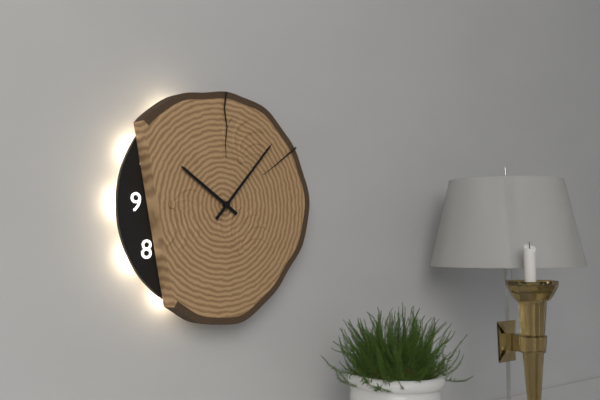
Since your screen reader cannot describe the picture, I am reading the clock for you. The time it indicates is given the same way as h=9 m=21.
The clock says h=10 m=7
